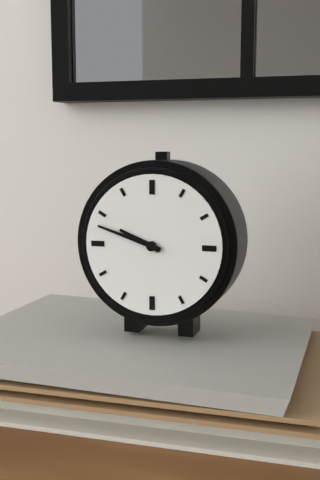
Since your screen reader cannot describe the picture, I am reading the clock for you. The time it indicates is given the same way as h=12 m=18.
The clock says h=9 m=48
